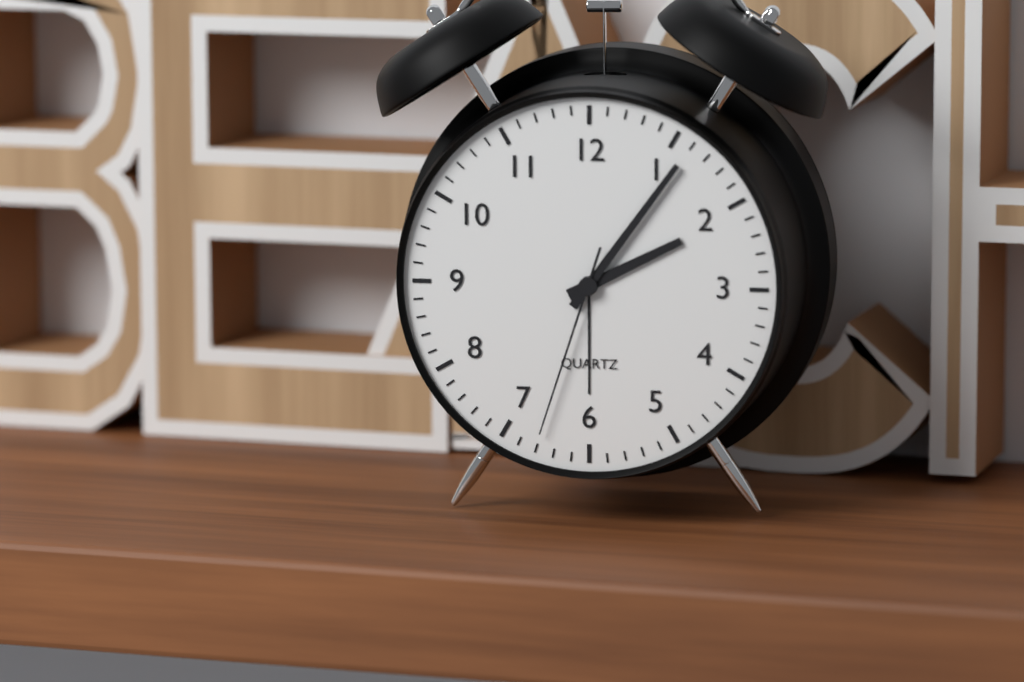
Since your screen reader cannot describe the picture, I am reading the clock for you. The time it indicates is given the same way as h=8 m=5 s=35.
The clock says h=2 m=6 s=33
